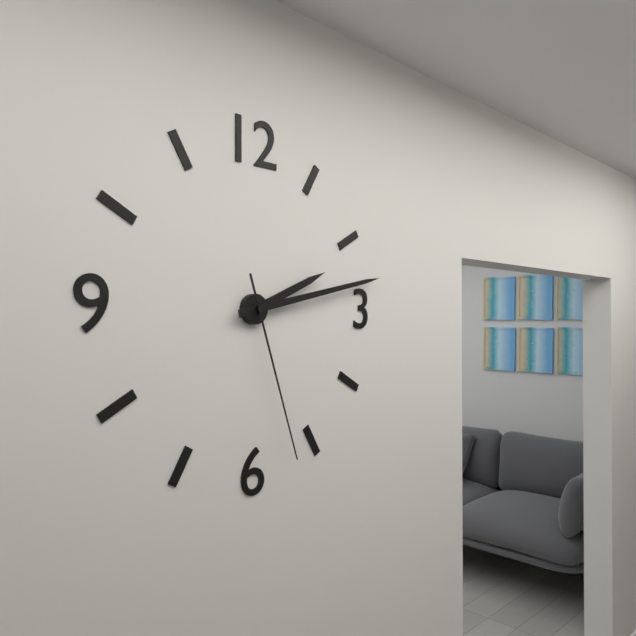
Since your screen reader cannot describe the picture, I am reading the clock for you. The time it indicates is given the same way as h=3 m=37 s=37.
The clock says h=2 m=13 s=27
